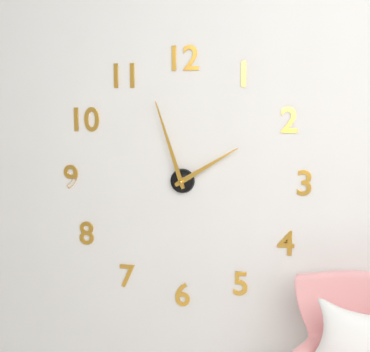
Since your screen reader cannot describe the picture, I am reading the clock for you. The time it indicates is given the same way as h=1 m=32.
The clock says h=1 m=57
